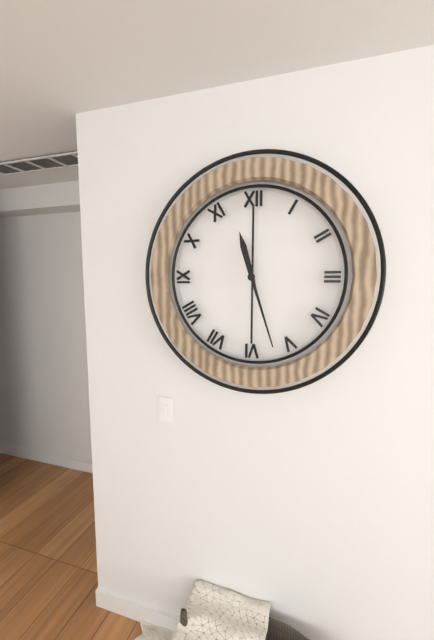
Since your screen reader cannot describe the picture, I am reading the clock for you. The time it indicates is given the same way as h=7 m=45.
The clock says h=11 m=27
